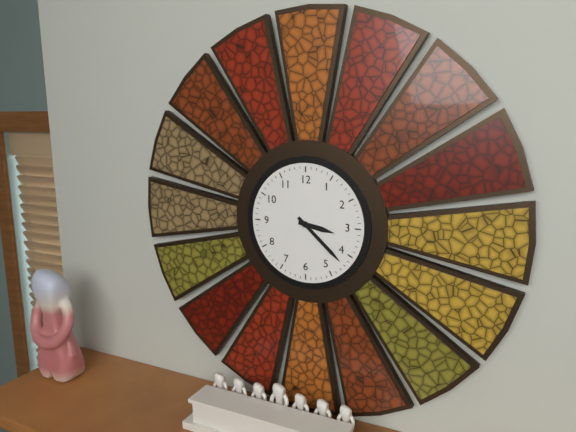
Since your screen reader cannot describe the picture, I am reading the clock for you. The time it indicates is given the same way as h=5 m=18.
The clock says h=3 m=22
